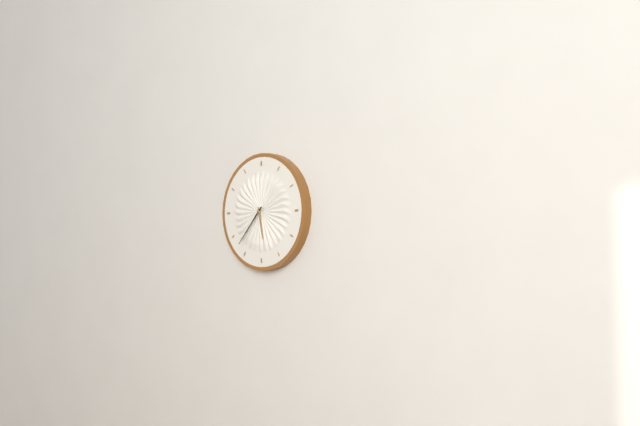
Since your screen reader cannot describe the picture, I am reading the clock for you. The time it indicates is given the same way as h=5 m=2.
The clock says h=5 m=37
